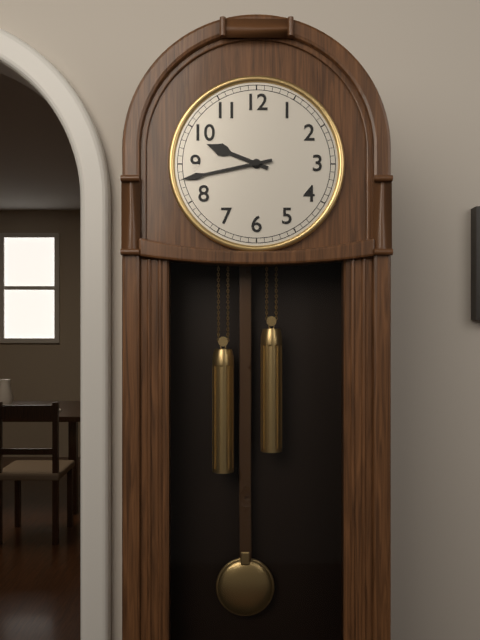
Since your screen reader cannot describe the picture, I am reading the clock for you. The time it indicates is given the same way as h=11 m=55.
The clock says h=9 m=43
